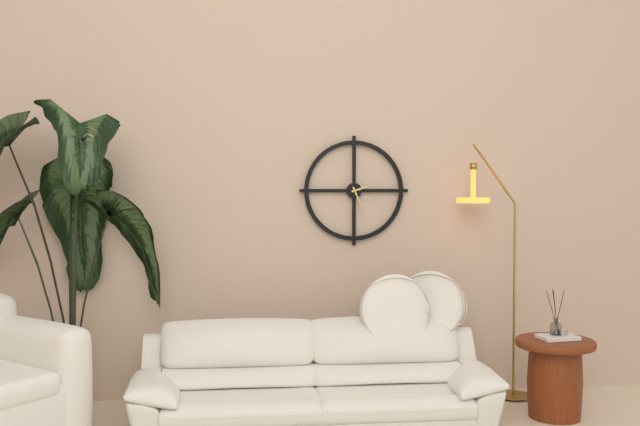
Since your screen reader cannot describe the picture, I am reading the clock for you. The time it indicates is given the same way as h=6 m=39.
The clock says h=2 m=26
